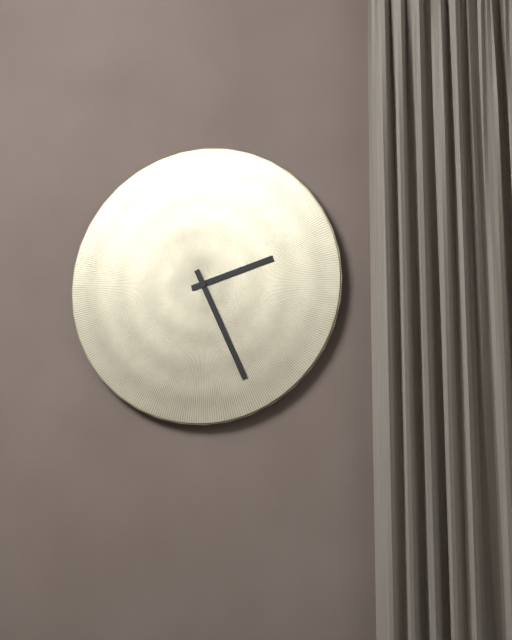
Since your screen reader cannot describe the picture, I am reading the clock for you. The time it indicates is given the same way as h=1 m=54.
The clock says h=2 m=26
